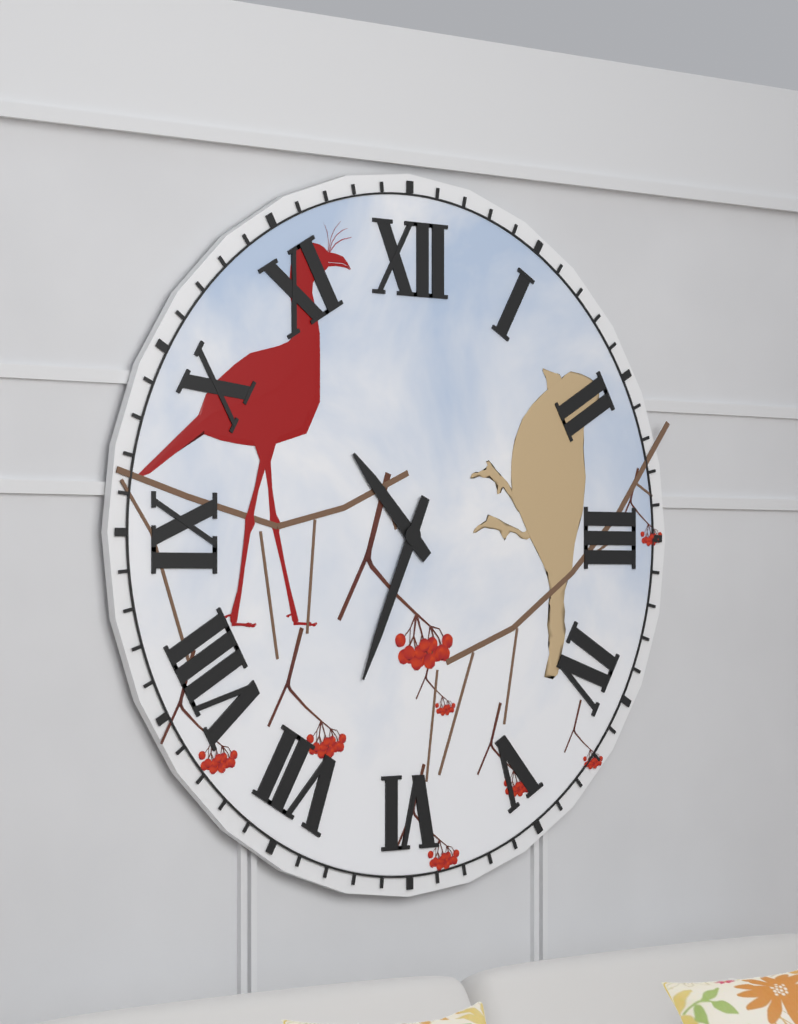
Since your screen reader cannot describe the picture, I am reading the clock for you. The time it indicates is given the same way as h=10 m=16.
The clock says h=10 m=34
